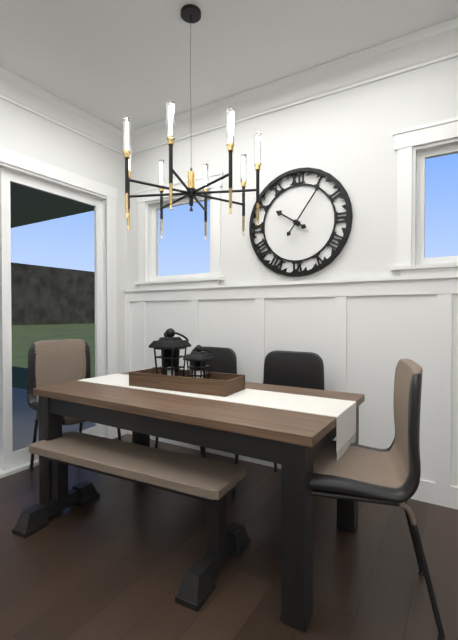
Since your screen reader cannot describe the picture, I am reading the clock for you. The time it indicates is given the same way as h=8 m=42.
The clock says h=10 m=6
